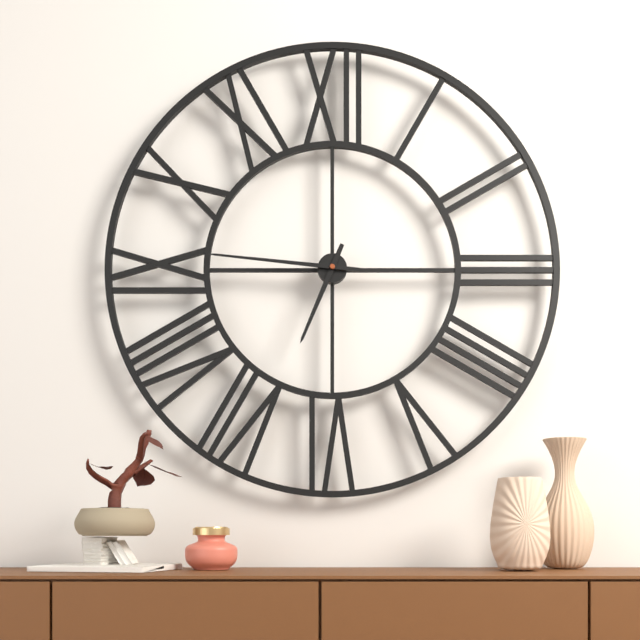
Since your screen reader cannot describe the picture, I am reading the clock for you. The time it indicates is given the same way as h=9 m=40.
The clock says h=6 m=46
